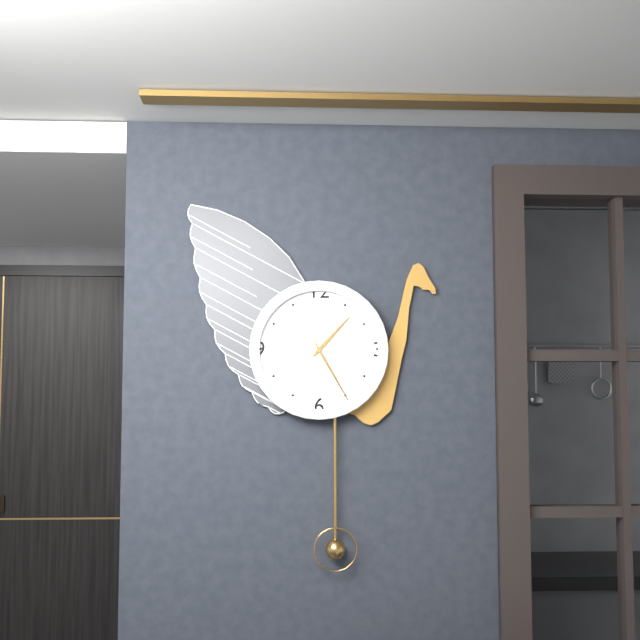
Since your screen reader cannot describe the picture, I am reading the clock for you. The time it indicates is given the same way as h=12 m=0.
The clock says h=1 m=25
